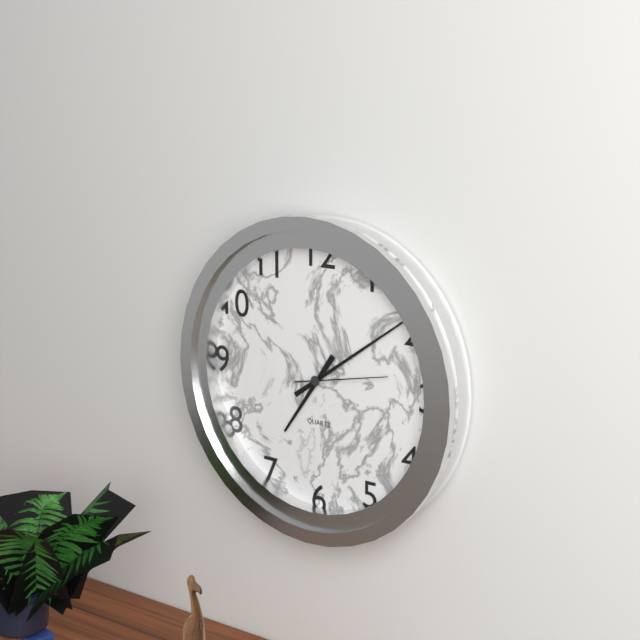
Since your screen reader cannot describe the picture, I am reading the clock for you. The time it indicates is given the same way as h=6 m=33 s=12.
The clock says h=7 m=9 s=13
